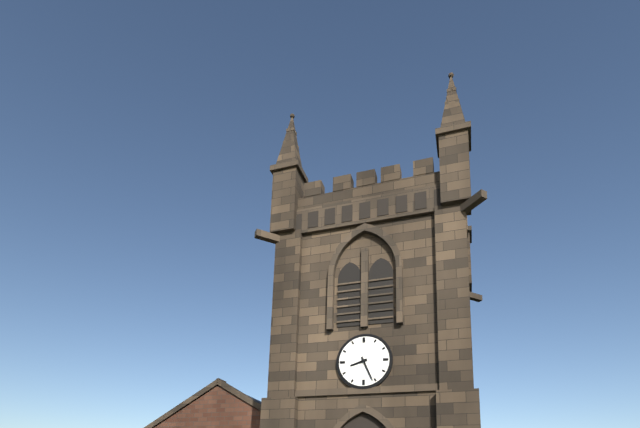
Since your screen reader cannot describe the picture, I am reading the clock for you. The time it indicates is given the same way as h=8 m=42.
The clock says h=8 m=26
